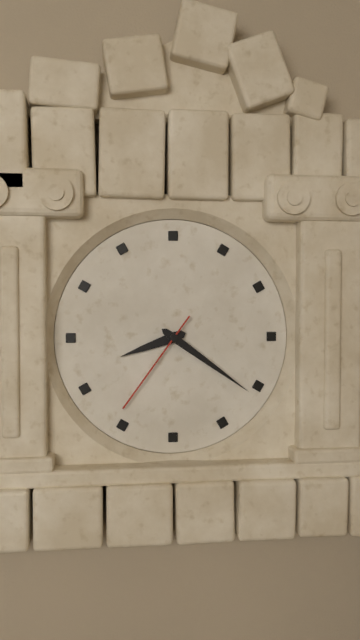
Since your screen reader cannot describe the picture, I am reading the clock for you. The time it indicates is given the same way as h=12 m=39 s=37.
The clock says h=8 m=21 s=36
